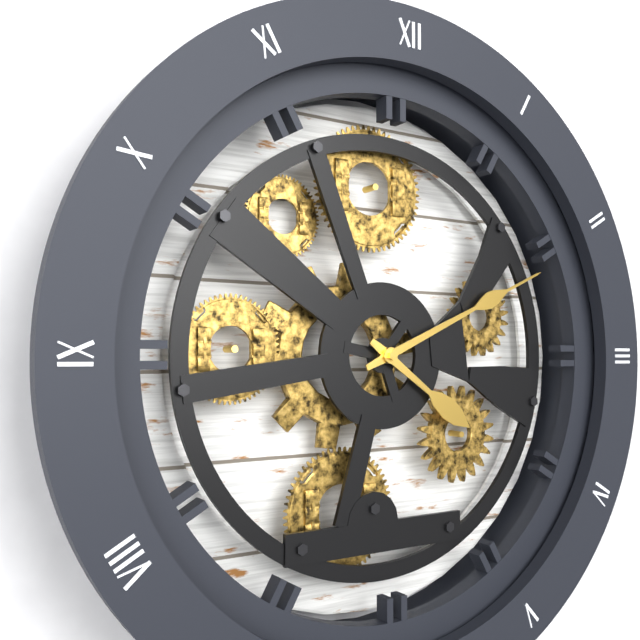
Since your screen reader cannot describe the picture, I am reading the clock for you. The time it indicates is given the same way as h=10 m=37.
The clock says h=4 m=11
